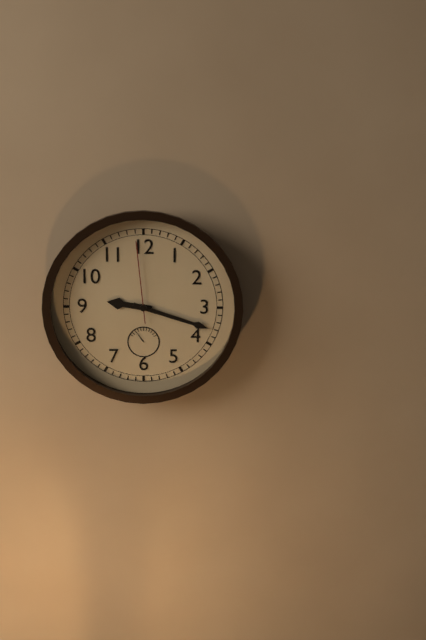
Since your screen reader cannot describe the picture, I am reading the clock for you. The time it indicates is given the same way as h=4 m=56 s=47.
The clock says h=9 m=18 s=59
